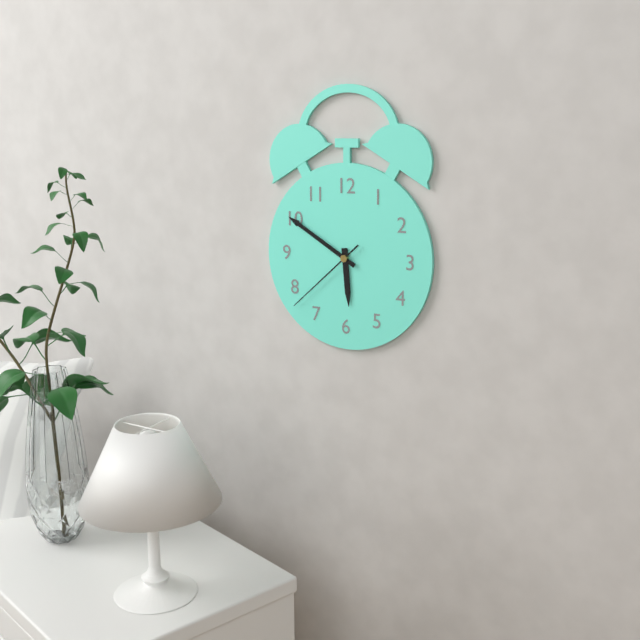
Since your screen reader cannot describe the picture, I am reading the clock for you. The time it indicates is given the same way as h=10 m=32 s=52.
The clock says h=5 m=50 s=38
